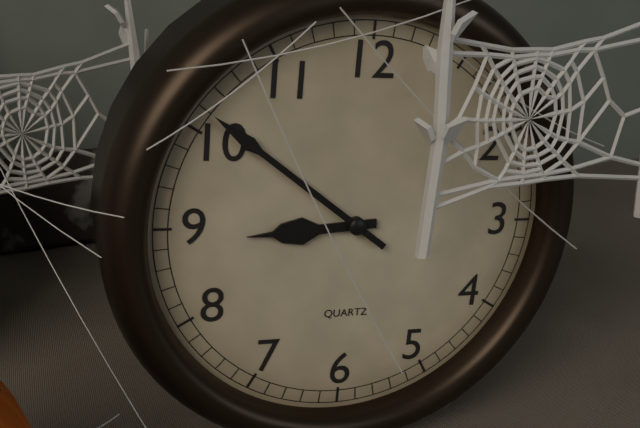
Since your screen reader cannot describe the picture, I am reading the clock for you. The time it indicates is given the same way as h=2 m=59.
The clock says h=8 m=51
